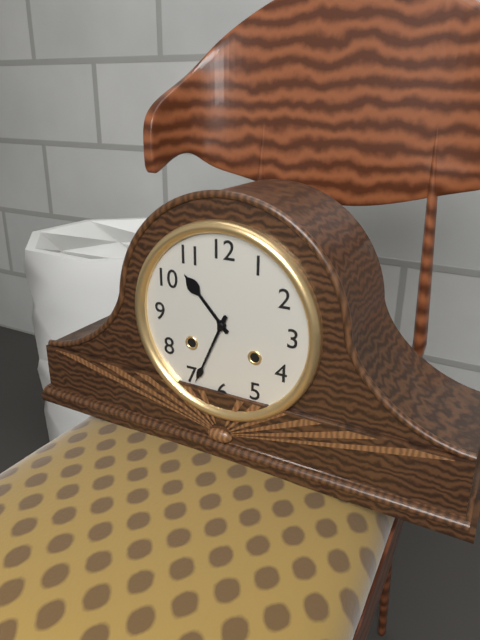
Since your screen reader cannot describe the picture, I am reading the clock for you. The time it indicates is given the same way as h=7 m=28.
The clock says h=10 m=34
